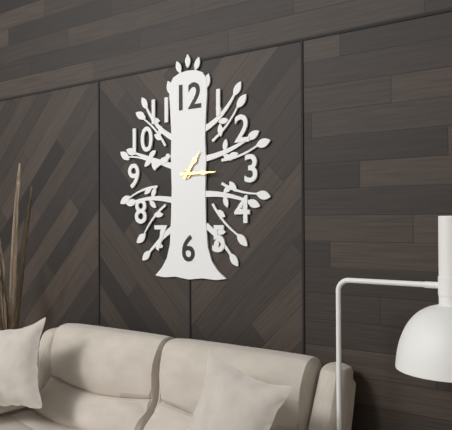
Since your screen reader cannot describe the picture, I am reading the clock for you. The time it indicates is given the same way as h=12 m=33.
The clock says h=1 m=15
